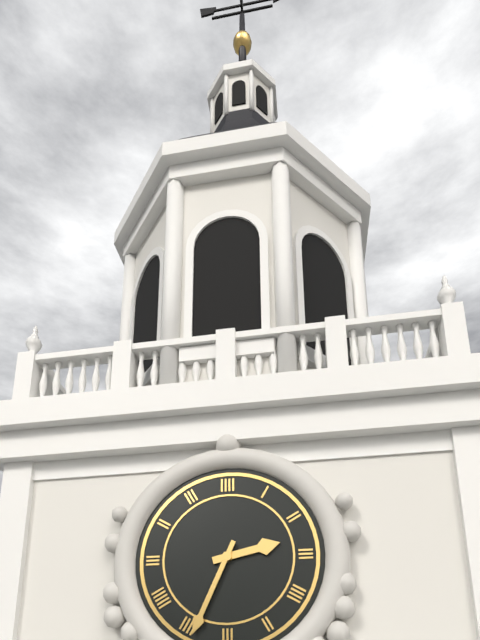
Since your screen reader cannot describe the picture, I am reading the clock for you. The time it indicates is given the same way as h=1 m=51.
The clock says h=2 m=34
